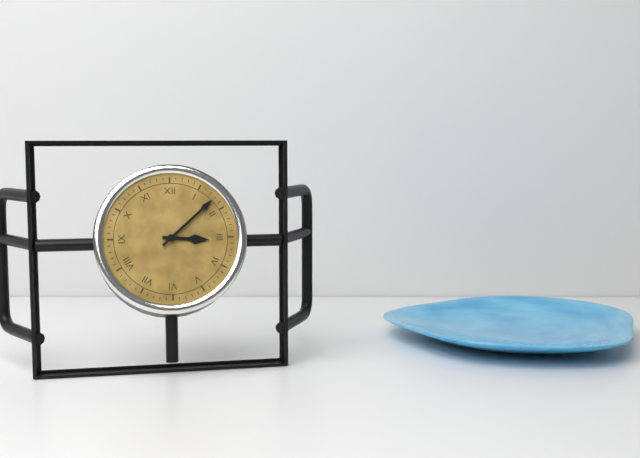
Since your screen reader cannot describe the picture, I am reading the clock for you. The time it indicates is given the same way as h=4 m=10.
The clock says h=3 m=8
